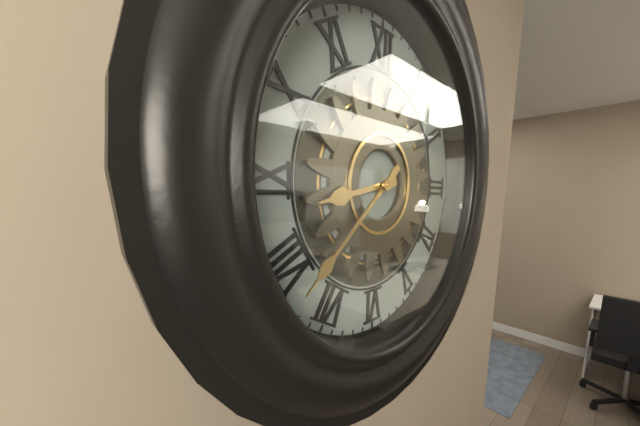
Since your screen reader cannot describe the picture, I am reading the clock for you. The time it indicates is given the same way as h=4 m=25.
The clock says h=8 m=38
